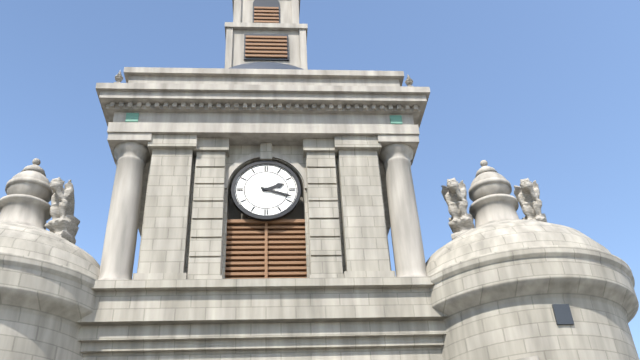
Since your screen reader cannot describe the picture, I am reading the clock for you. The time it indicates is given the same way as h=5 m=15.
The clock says h=2 m=18
